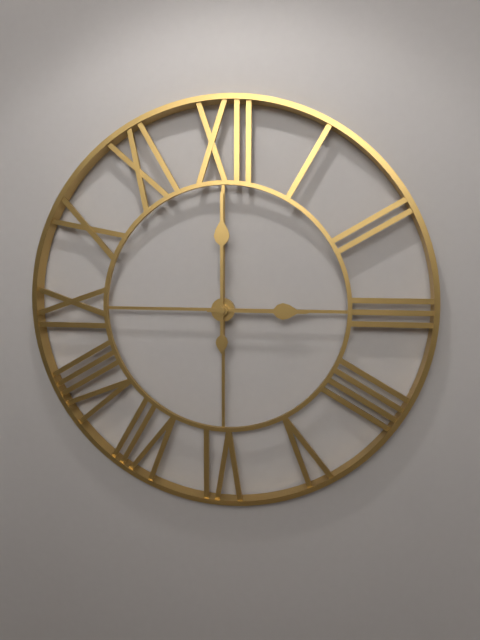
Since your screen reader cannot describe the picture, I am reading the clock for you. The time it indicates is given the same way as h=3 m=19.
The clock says h=3 m=0
